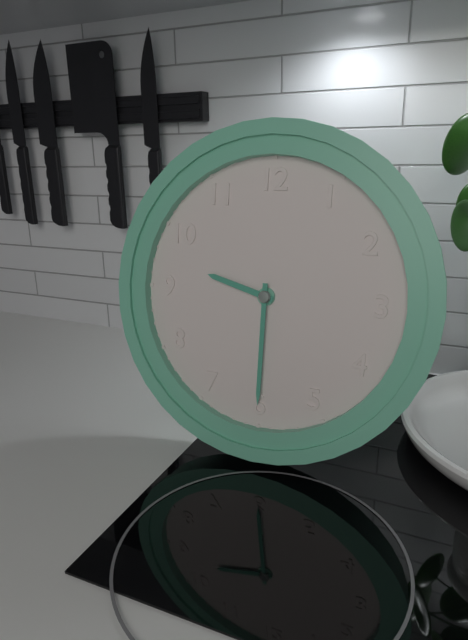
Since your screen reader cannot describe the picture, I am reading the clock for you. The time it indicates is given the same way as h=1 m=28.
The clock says h=9 m=30
